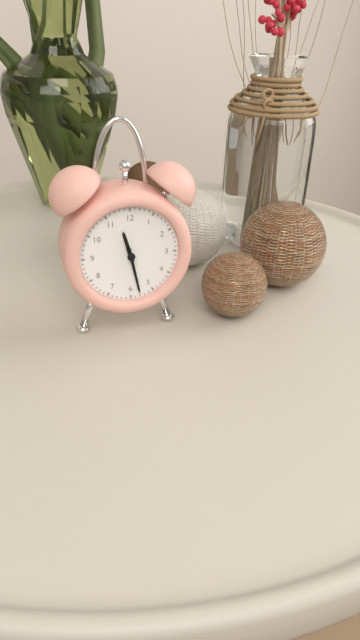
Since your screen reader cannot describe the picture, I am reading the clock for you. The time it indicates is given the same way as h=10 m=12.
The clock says h=11 m=28
